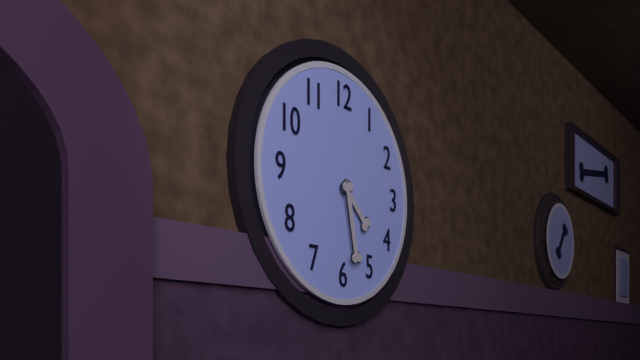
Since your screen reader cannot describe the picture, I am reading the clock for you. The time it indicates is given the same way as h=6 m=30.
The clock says h=4 m=28
